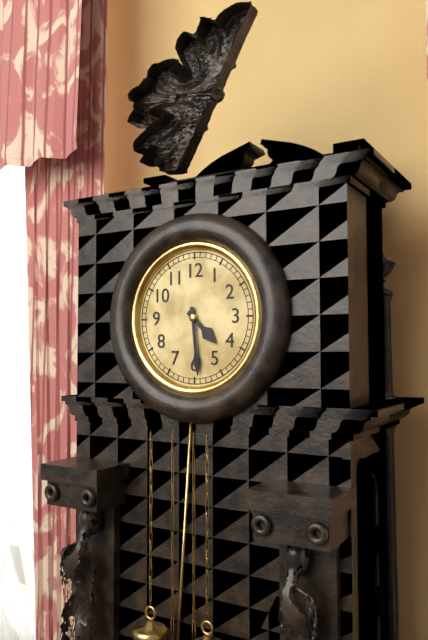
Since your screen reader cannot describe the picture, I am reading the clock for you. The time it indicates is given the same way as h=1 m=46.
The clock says h=4 m=29
